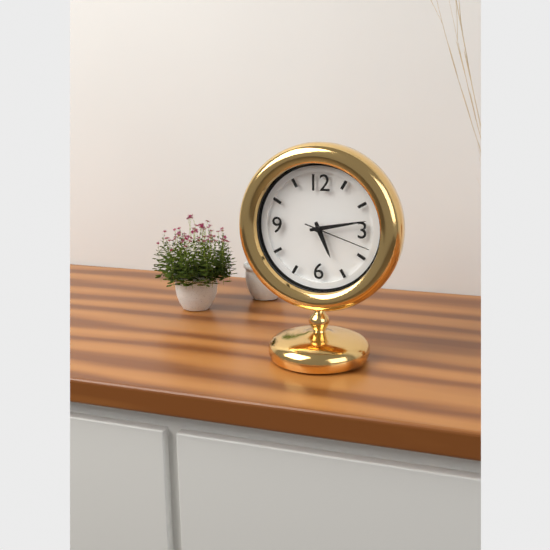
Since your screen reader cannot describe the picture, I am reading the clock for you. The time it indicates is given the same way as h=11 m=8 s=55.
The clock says h=5 m=13 s=18
